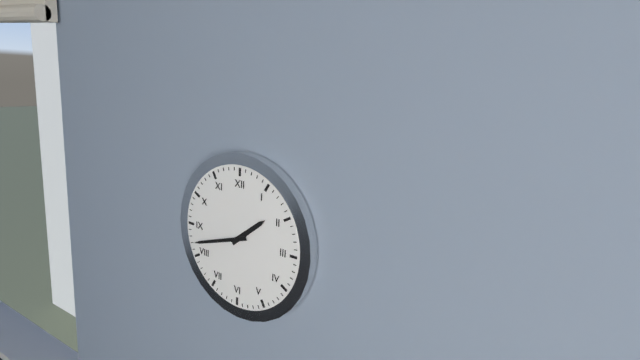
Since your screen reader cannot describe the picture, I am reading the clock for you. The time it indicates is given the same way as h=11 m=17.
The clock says h=1 m=42
